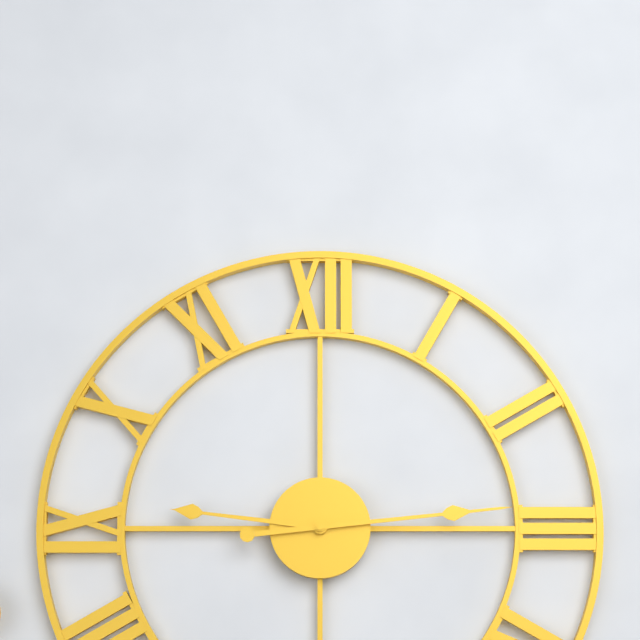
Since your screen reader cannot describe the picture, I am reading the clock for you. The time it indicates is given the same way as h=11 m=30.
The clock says h=9 m=14
